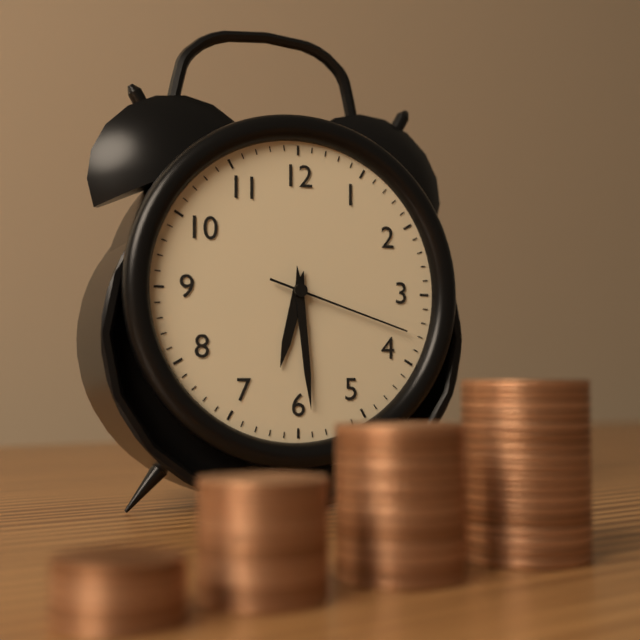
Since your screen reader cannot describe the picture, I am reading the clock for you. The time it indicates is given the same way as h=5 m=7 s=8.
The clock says h=6 m=29 s=18
